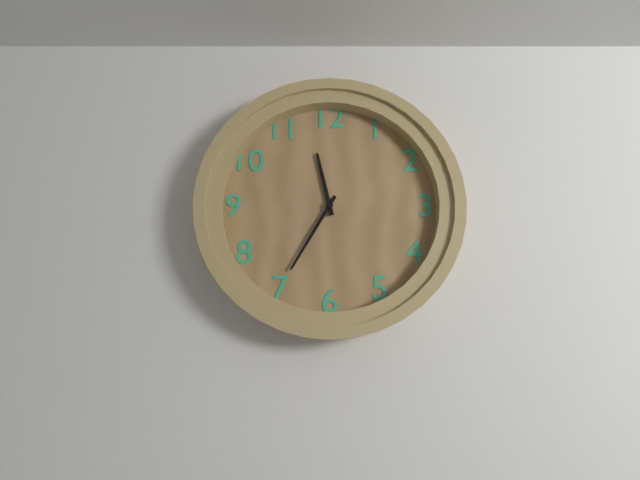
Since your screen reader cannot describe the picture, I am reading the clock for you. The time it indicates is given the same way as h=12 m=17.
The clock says h=11 m=35
